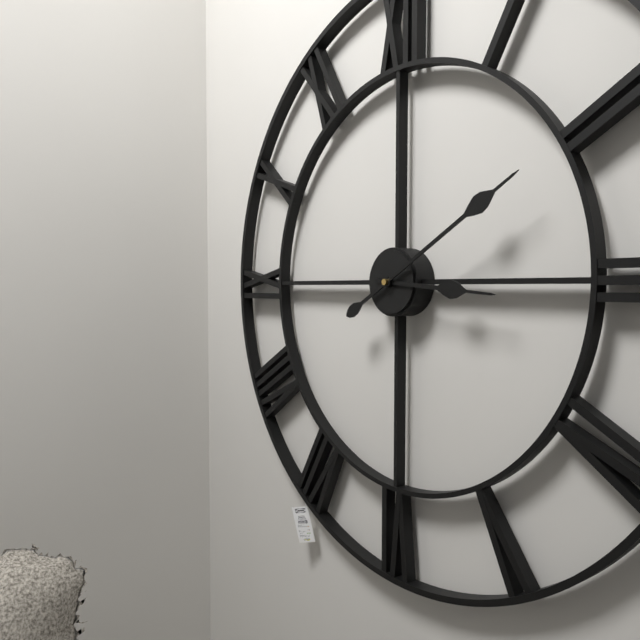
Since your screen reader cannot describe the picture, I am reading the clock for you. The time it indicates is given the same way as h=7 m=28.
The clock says h=3 m=10
